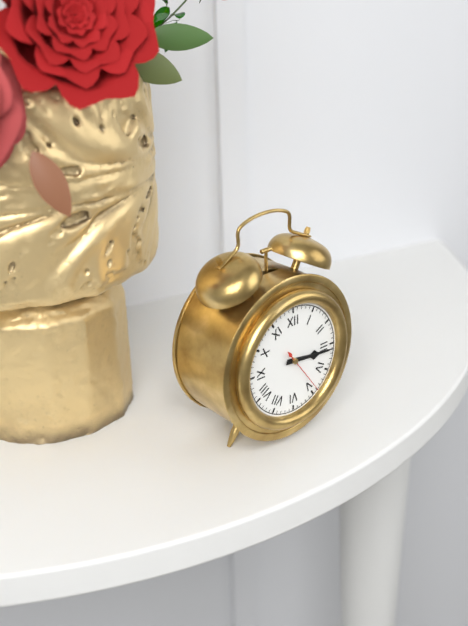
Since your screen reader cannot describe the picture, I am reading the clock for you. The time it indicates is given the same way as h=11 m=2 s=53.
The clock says h=3 m=16 s=24
